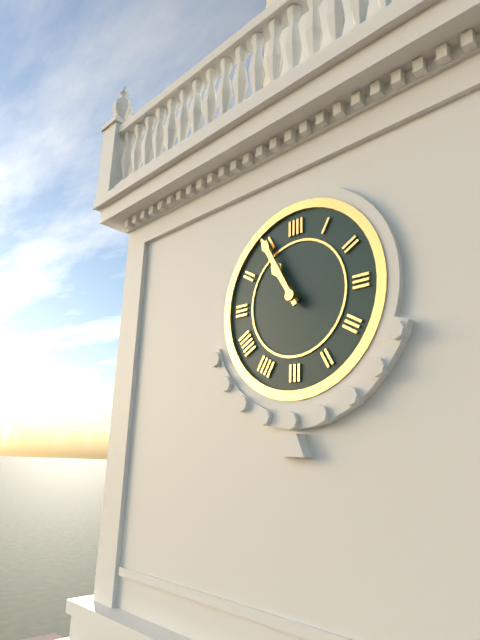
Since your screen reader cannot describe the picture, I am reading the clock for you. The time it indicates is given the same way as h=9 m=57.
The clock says h=10 m=55
